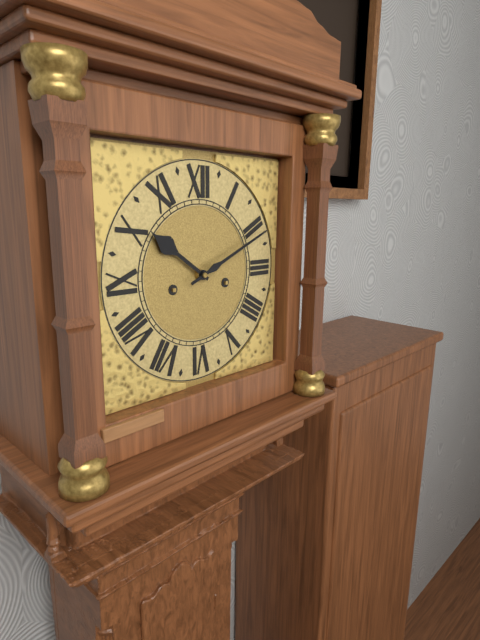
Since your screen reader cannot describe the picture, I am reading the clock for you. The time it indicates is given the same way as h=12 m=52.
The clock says h=10 m=11
